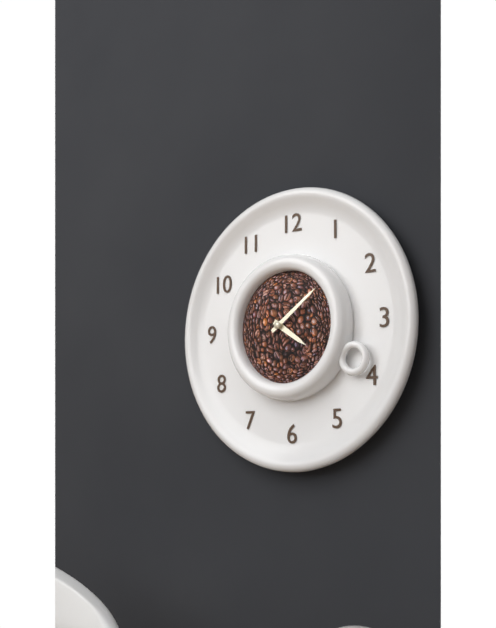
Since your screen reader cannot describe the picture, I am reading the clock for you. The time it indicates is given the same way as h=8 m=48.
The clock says h=4 m=9
